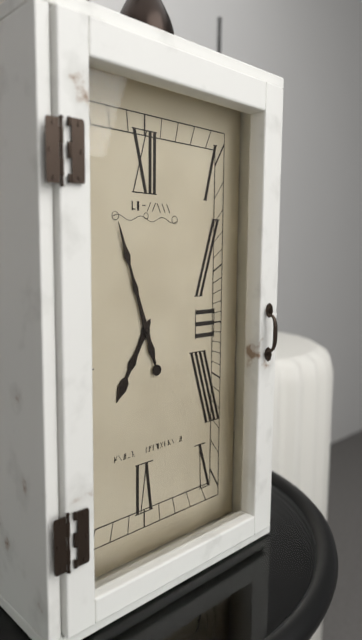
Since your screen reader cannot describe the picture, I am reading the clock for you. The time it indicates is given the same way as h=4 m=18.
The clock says h=6 m=57
